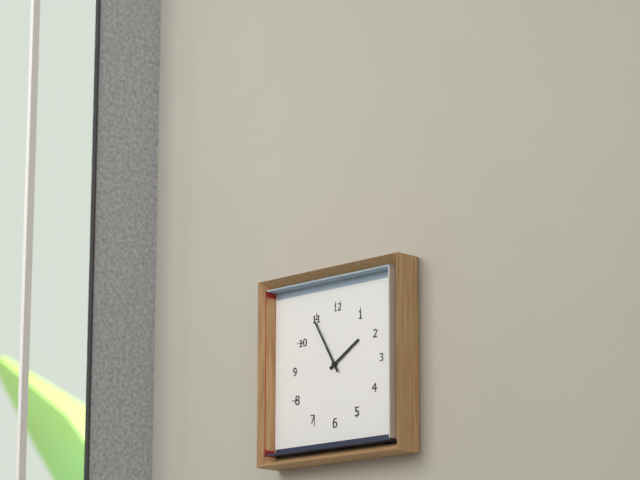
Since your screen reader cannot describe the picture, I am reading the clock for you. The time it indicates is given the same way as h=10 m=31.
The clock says h=1 m=55
